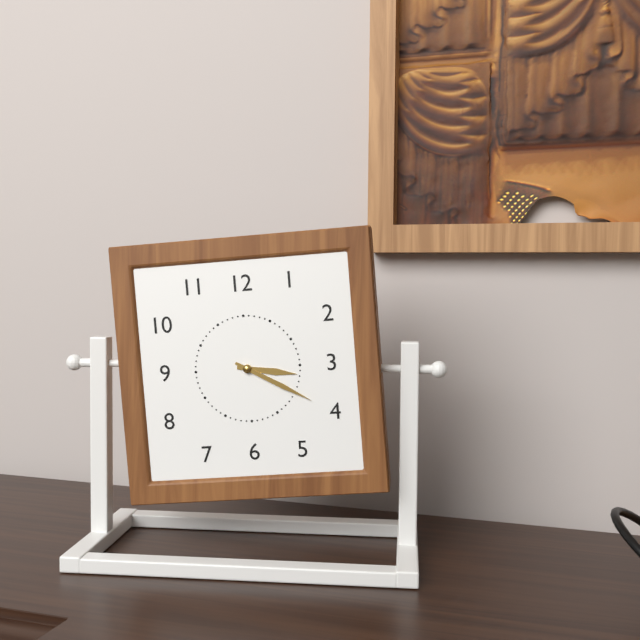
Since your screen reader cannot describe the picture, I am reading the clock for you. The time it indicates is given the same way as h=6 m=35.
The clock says h=3 m=20
